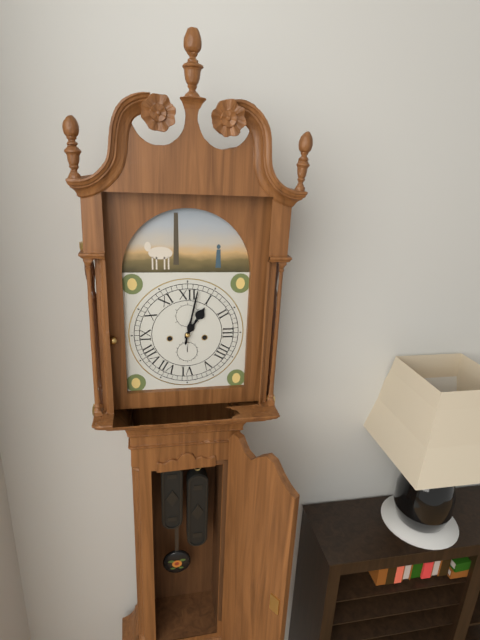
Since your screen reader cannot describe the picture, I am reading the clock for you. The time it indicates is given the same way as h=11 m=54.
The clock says h=1 m=2
